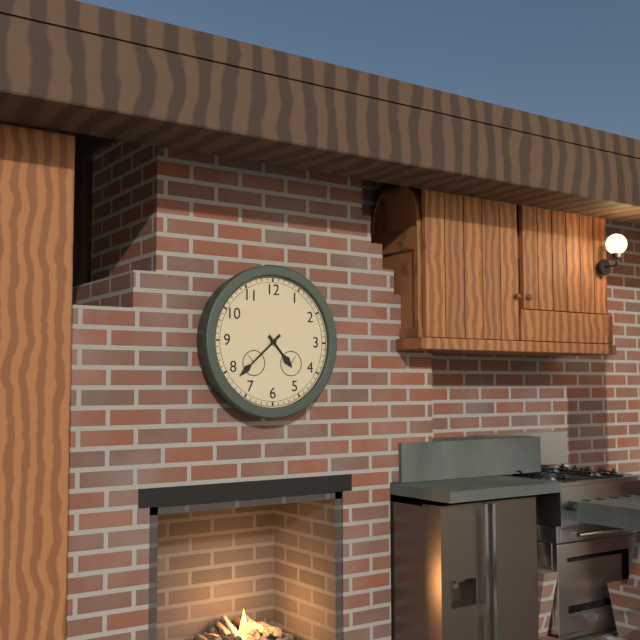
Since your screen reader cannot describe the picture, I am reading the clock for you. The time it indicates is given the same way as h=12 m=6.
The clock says h=4 m=38
